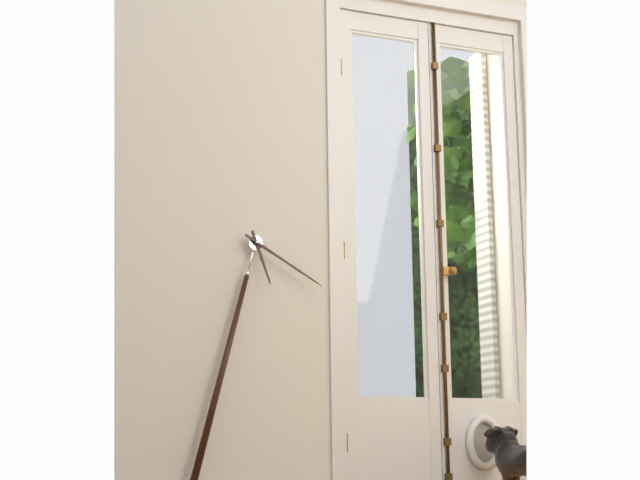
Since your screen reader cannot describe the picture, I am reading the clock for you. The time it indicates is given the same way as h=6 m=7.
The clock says h=5 m=20
